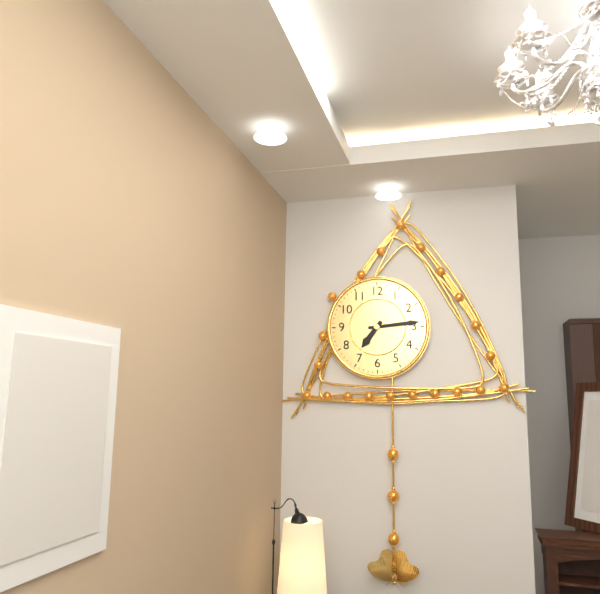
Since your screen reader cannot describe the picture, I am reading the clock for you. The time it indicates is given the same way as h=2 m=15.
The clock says h=7 m=14
